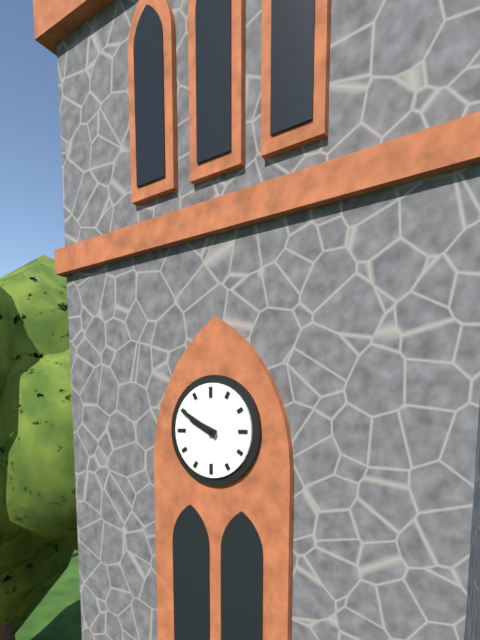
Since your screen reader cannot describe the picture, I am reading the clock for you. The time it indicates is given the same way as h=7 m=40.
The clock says h=9 m=50
